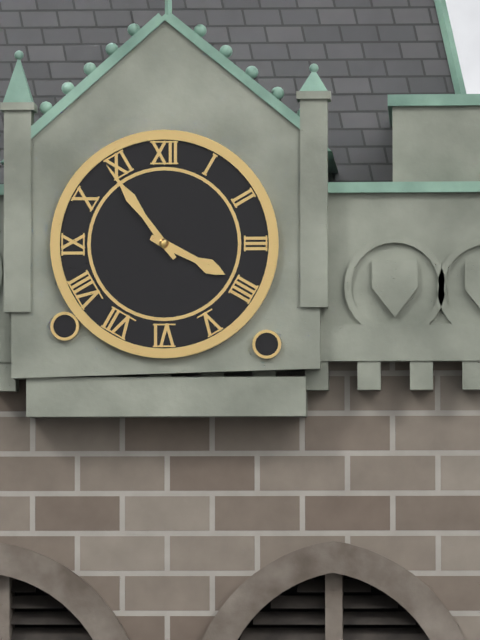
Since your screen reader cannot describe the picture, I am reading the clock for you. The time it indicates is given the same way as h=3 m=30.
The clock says h=3 m=54
